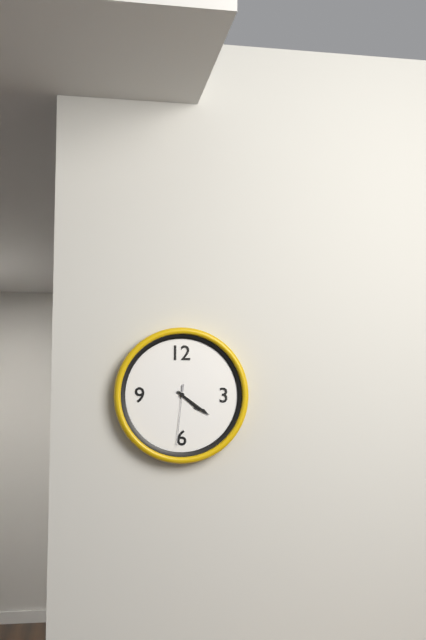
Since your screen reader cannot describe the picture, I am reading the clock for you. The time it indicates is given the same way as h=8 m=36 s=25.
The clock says h=4 m=21 s=31
